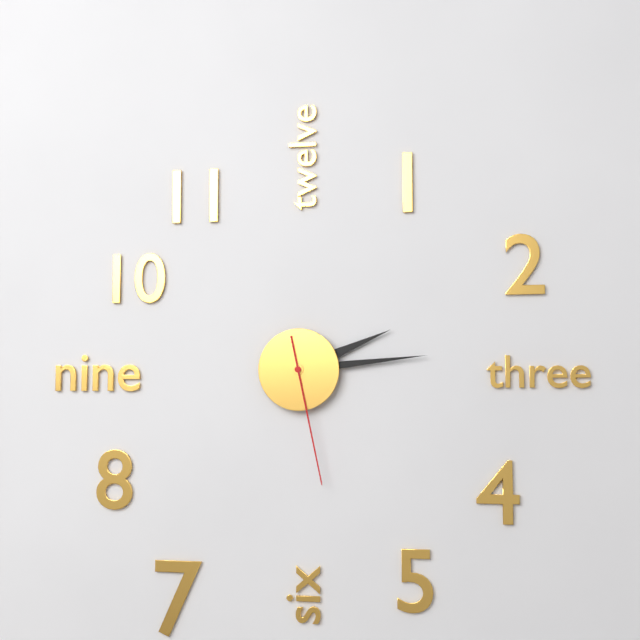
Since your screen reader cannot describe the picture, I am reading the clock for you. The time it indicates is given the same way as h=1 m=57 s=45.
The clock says h=2 m=14 s=28
